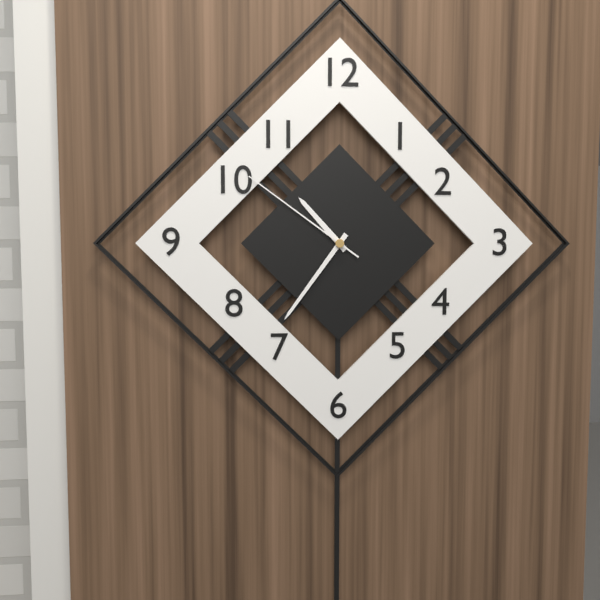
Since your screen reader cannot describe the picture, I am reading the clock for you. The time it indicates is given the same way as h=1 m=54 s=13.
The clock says h=10 m=36 s=51
